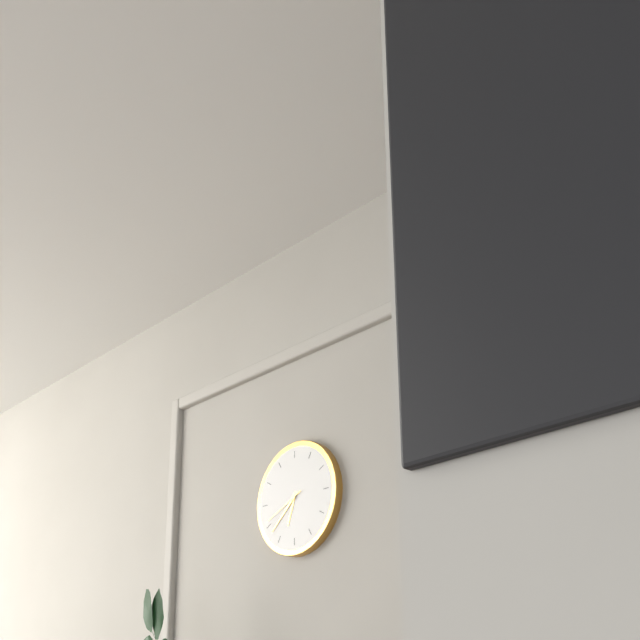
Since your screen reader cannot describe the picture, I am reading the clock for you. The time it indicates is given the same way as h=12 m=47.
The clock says h=6 m=38
